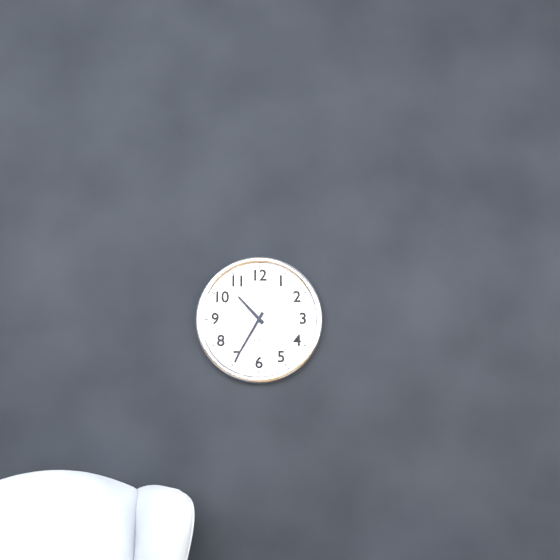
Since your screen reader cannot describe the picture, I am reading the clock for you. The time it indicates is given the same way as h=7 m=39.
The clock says h=10 m=35
